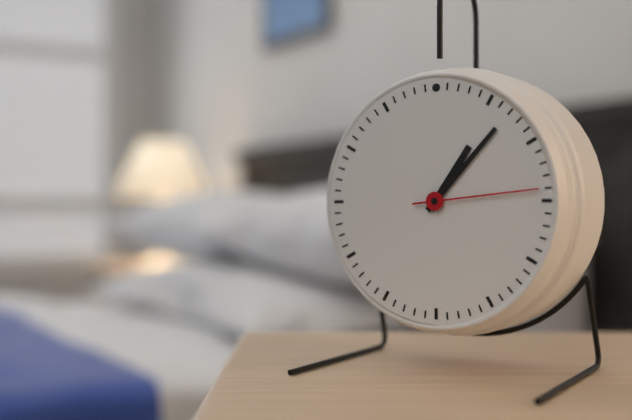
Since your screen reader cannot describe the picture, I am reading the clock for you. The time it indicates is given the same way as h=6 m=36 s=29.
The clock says h=1 m=7 s=14
